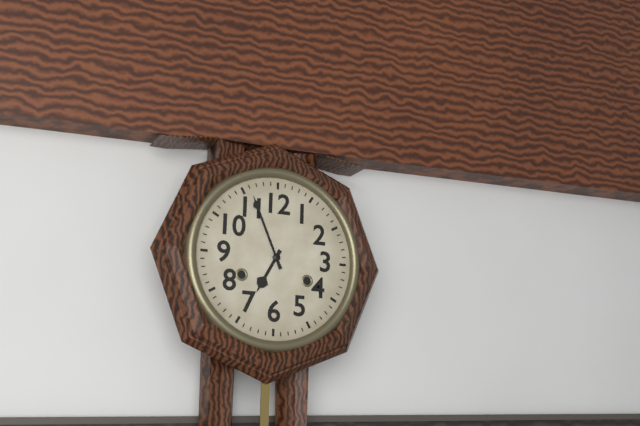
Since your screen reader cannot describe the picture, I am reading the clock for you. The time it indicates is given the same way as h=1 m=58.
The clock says h=6 m=56
